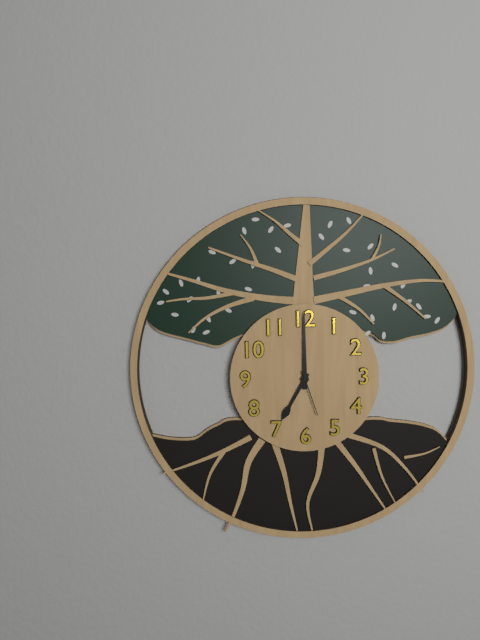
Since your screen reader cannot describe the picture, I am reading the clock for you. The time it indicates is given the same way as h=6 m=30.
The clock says h=7 m=0
